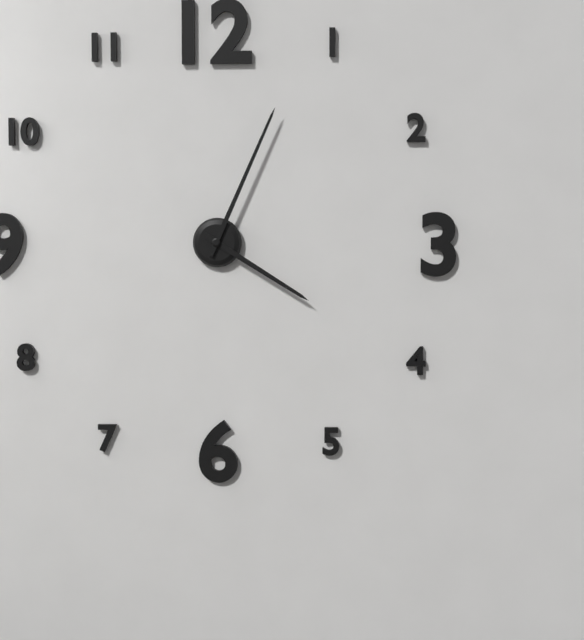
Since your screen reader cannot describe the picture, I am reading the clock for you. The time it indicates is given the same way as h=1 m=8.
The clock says h=4 m=4
